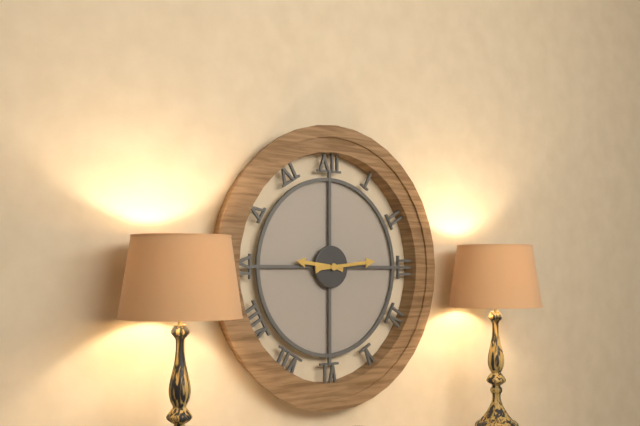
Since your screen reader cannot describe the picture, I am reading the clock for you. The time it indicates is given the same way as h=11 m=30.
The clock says h=9 m=14
